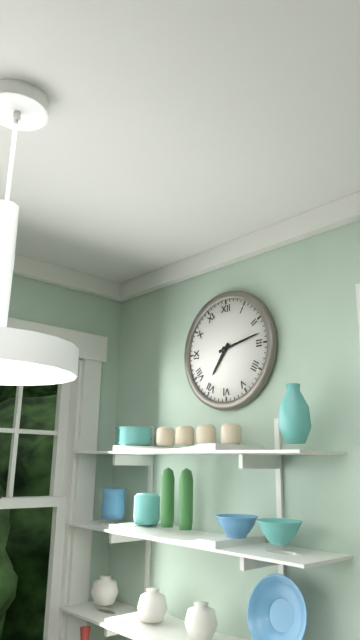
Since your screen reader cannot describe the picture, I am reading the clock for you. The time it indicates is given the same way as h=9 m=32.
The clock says h=7 m=13
